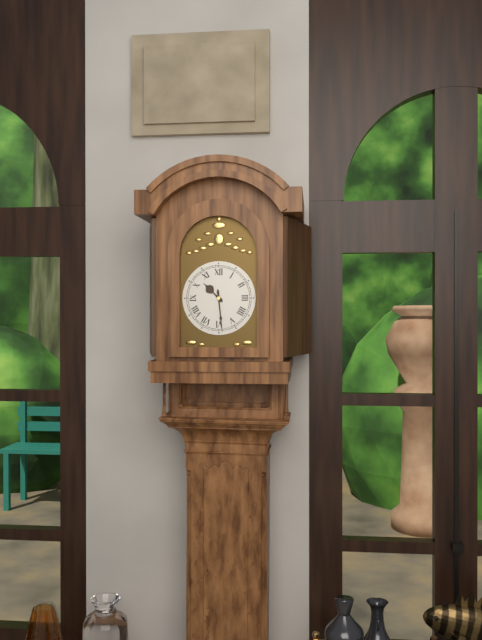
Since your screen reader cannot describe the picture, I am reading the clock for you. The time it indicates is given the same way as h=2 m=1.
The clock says h=10 m=29
